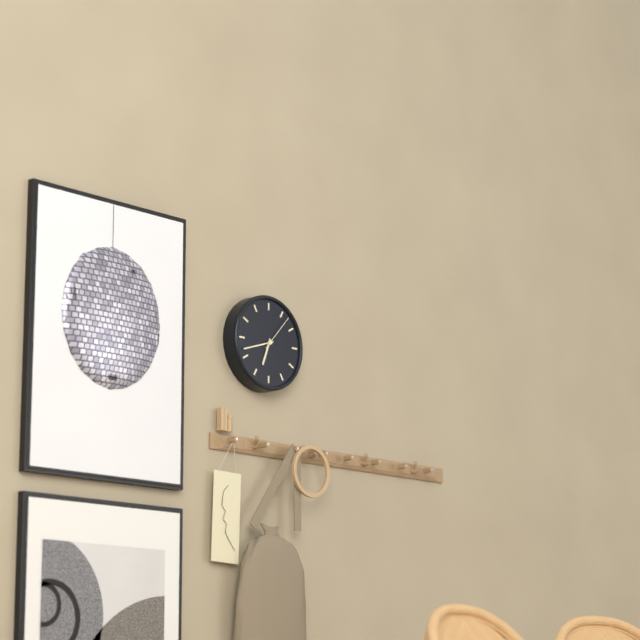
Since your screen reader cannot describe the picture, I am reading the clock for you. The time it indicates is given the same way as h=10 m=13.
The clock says h=6 m=42
